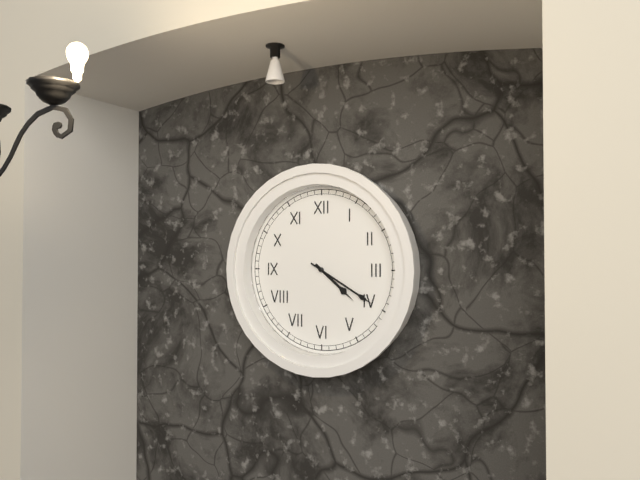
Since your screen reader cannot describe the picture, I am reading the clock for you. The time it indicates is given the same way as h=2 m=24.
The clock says h=4 m=20
